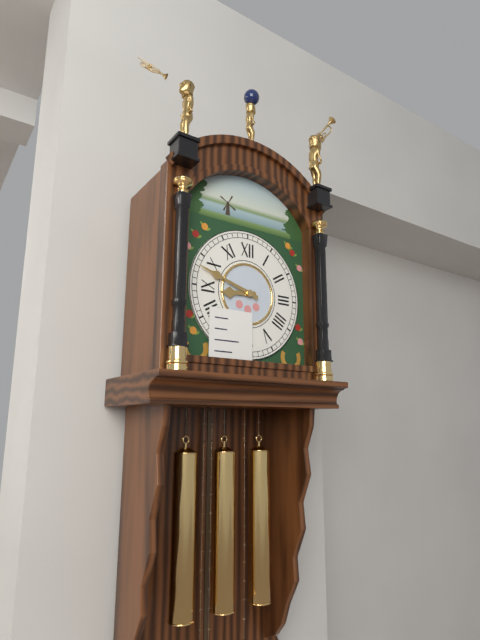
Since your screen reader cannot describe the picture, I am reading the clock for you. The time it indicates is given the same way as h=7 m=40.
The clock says h=8 m=48
